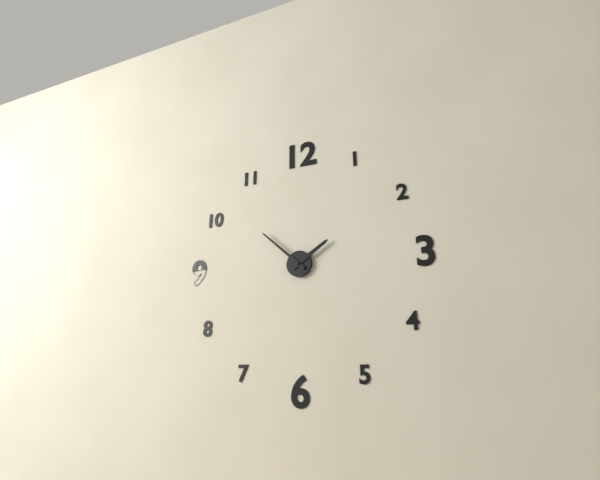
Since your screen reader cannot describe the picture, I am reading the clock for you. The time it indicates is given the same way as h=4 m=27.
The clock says h=1 m=52
